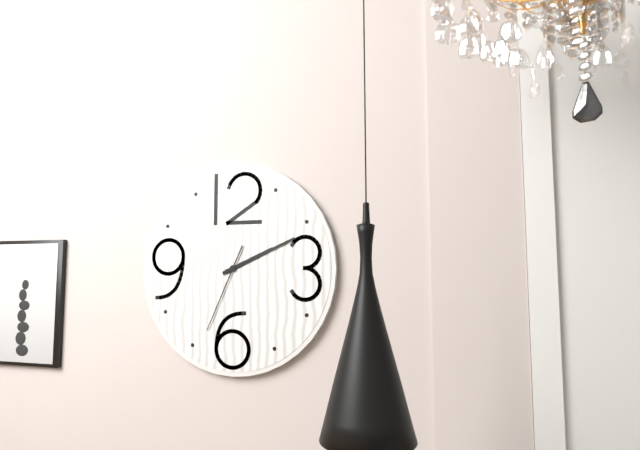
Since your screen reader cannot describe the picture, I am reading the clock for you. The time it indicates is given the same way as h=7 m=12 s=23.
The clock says h=2 m=11 s=34
